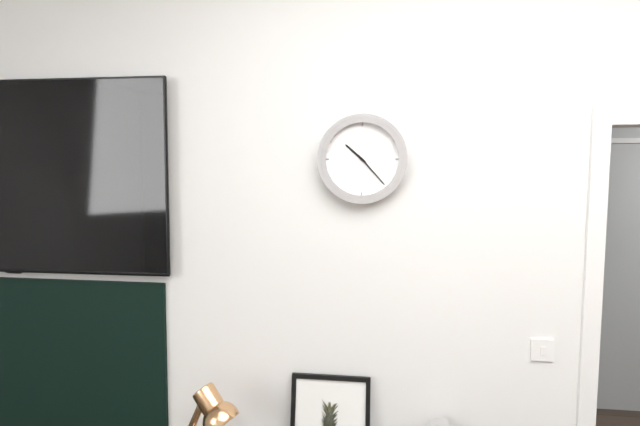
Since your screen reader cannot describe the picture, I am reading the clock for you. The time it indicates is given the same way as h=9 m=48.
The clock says h=10 m=23
